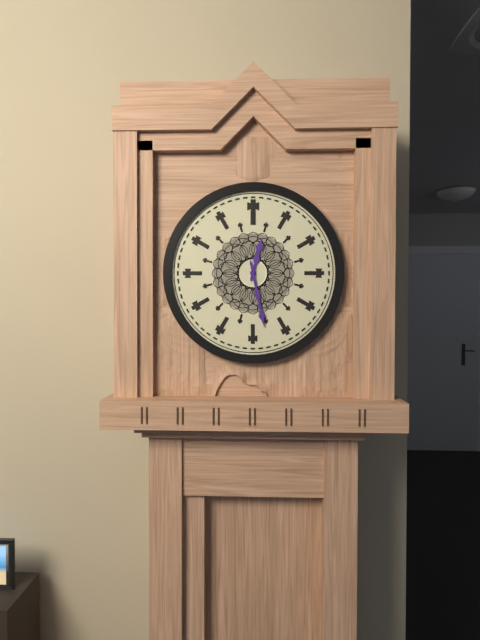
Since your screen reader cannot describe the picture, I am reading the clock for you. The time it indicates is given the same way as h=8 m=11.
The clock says h=12 m=28
